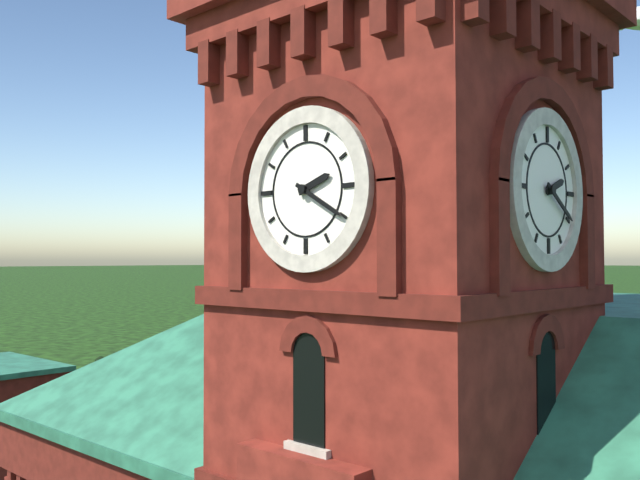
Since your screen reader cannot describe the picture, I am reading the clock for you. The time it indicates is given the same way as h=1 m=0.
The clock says h=2 m=20
